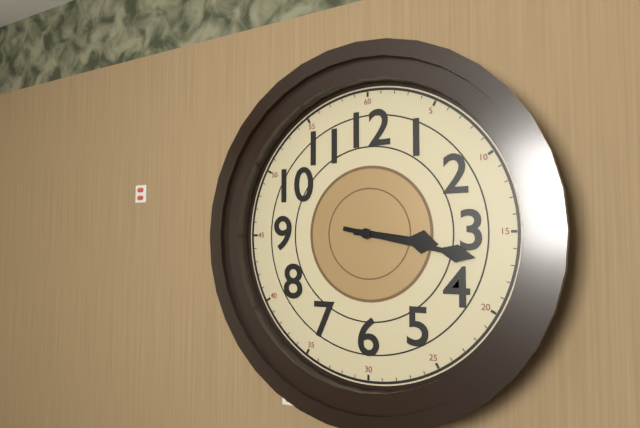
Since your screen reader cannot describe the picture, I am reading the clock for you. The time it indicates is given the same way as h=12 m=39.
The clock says h=3 m=17
